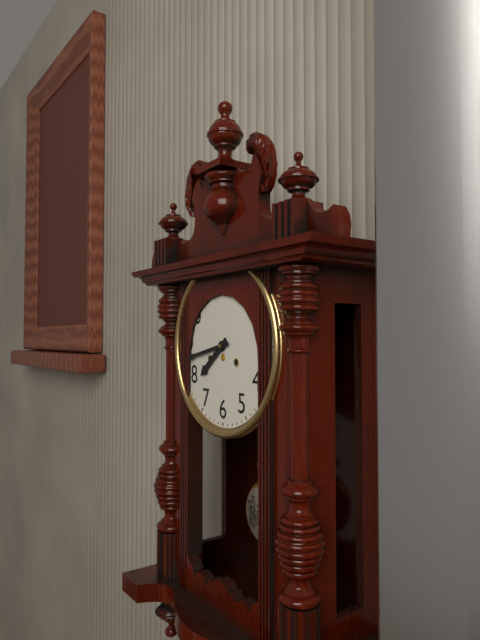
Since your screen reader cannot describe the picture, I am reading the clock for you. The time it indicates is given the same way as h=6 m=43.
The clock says h=7 m=43
